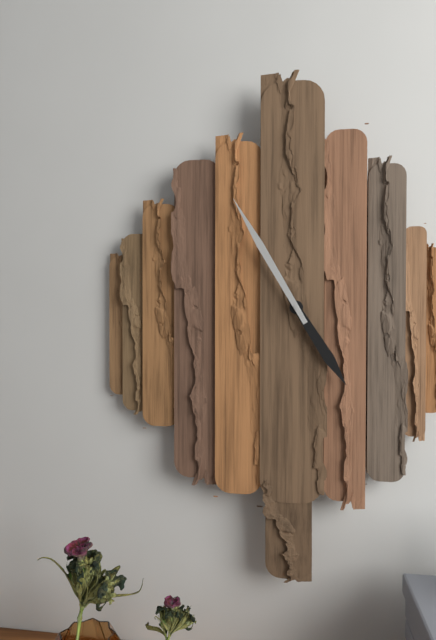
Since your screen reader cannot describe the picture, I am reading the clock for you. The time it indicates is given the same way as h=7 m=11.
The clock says h=4 m=55
